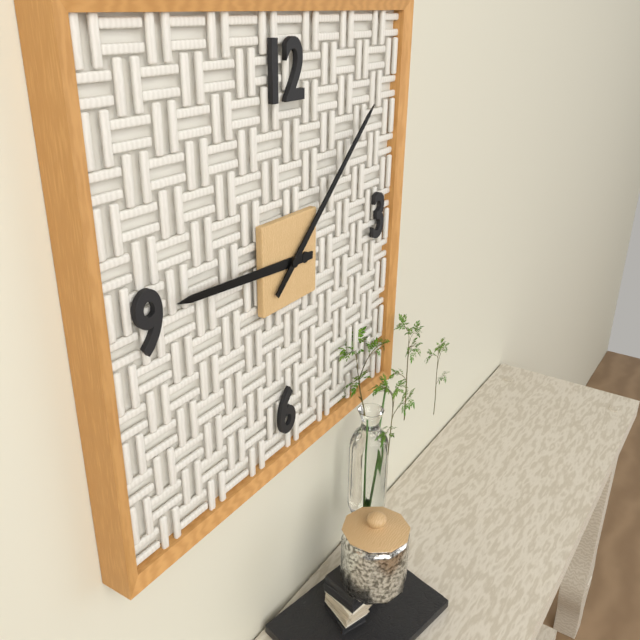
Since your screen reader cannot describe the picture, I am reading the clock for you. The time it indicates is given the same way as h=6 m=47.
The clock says h=9 m=8
